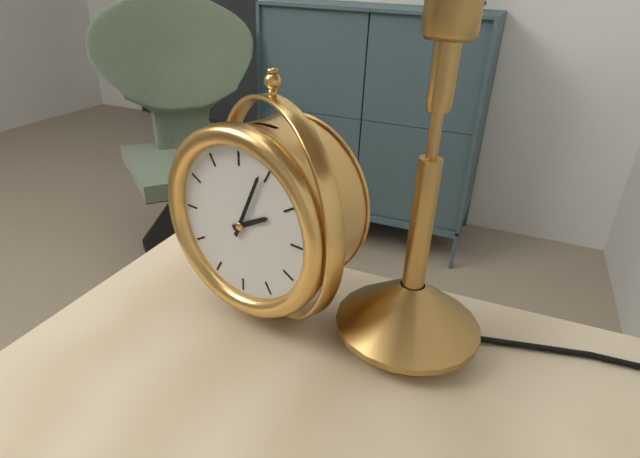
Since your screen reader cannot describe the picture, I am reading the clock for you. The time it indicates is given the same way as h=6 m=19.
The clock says h=2 m=4
